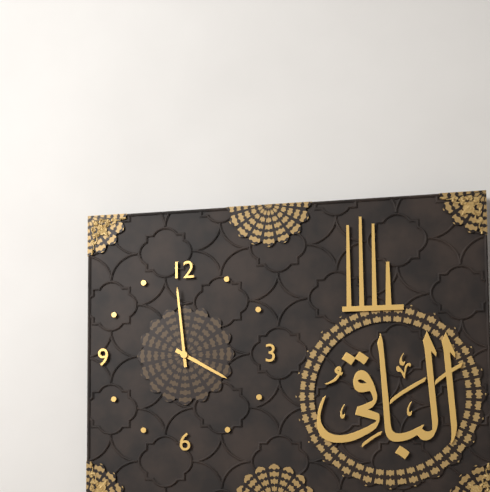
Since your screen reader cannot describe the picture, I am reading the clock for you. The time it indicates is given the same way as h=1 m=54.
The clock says h=3 m=59
